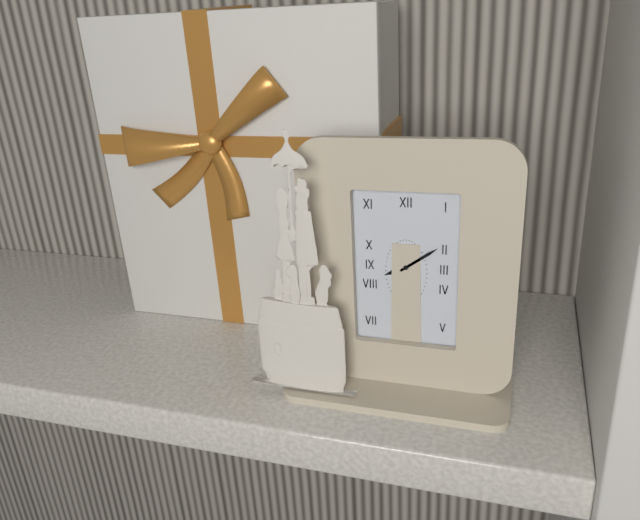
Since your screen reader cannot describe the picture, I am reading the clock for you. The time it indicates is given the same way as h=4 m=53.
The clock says h=8 m=9
